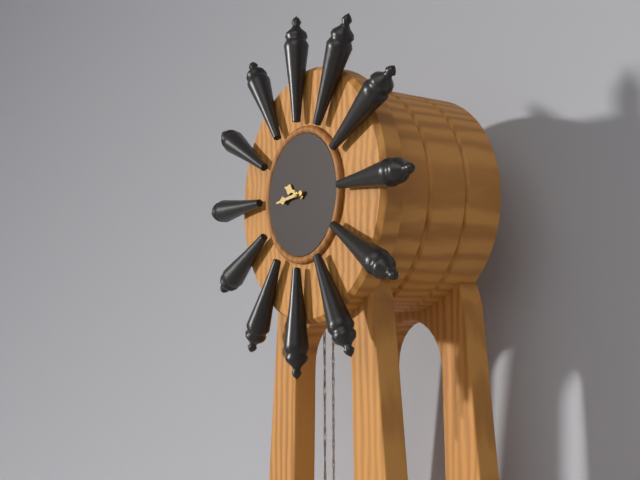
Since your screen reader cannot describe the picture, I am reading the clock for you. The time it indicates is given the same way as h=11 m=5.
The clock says h=9 m=44
